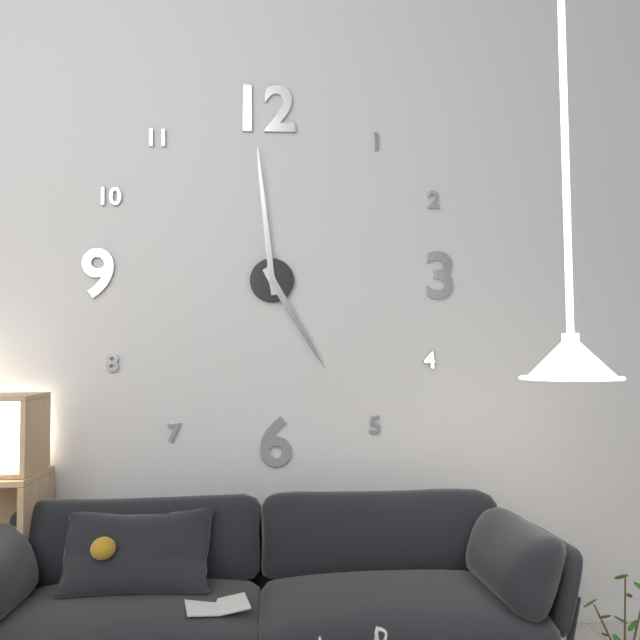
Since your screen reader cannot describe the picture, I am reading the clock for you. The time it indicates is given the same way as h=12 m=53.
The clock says h=4 m=59
